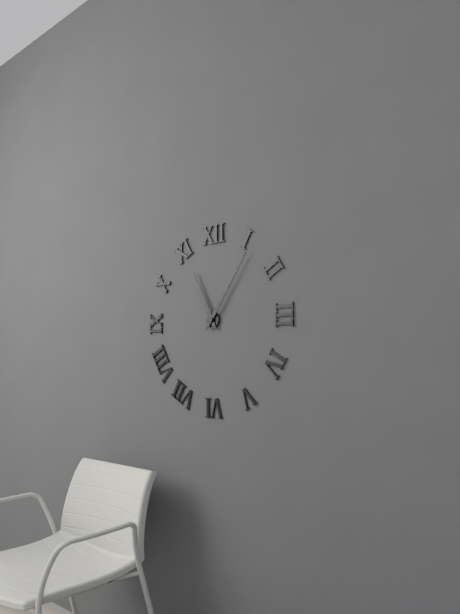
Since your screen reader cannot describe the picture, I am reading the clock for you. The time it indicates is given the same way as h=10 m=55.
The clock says h=11 m=6
